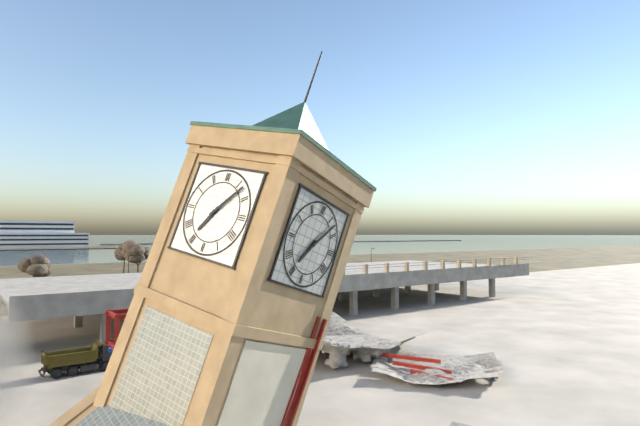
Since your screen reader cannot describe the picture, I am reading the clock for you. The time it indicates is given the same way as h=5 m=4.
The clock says h=7 m=7
